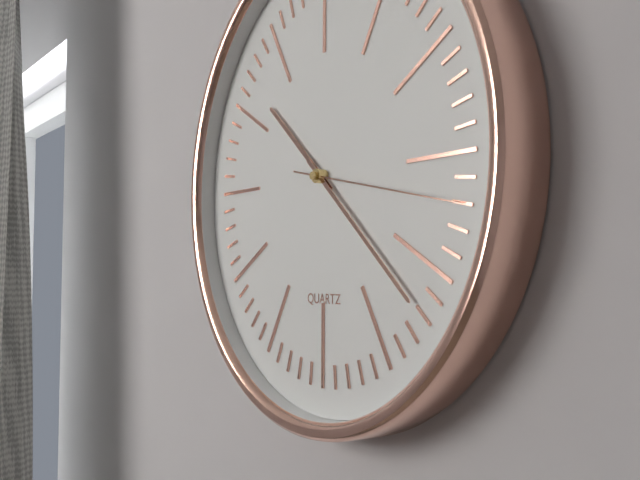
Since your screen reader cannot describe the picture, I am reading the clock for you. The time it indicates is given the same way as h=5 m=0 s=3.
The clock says h=10 m=22 s=17
